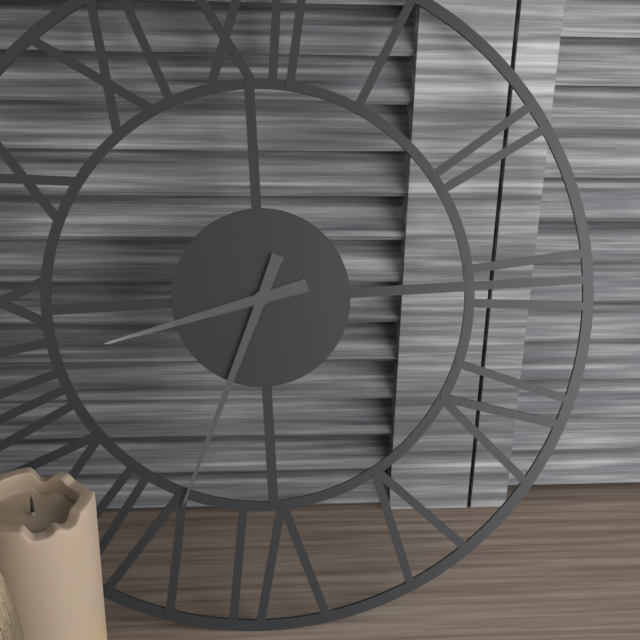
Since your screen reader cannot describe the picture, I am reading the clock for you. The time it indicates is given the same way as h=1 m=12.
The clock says h=8 m=34
